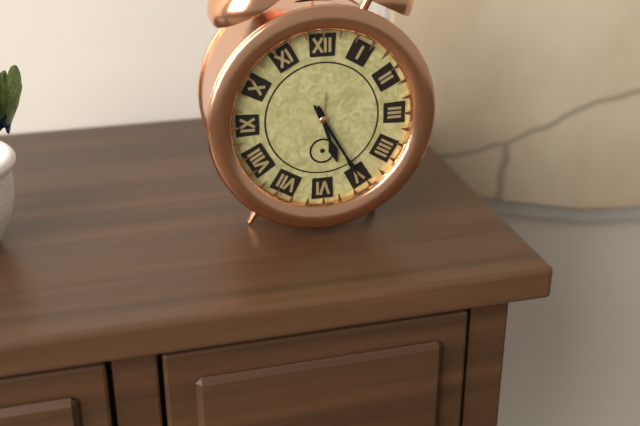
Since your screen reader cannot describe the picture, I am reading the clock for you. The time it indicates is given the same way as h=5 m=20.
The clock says h=5 m=25
